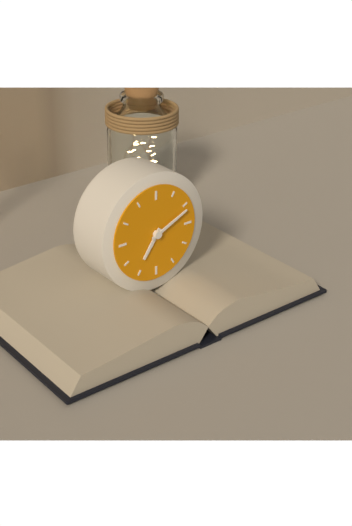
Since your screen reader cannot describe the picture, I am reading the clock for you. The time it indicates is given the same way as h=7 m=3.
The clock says h=7 m=11
